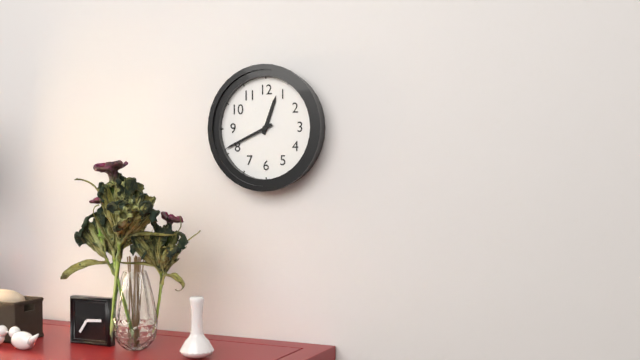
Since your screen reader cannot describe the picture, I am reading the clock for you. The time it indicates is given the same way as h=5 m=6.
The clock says h=12 m=41
